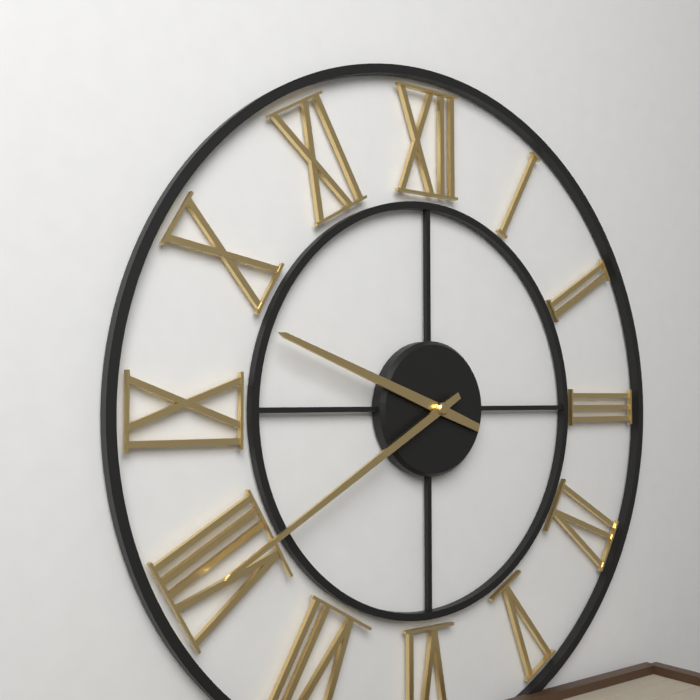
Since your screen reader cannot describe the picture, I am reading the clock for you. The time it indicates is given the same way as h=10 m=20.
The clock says h=9 m=40
